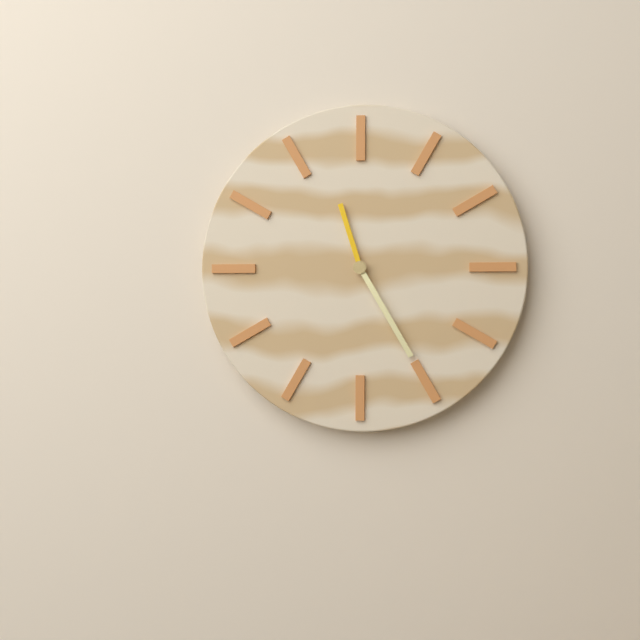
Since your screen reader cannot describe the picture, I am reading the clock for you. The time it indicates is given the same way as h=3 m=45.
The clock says h=11 m=25
